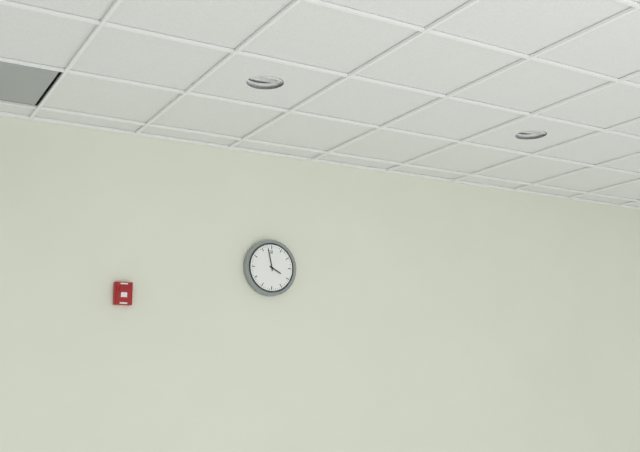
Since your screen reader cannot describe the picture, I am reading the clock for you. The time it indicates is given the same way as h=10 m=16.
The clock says h=3 m=58
